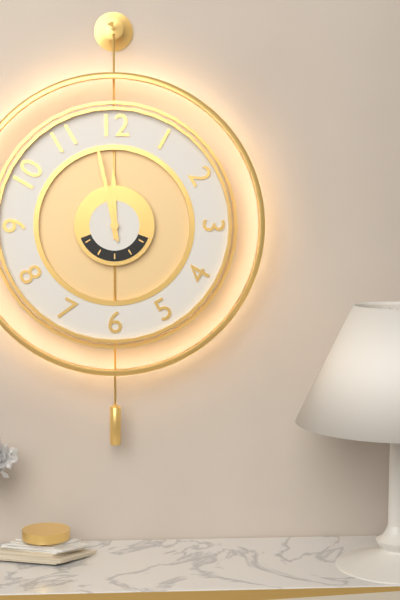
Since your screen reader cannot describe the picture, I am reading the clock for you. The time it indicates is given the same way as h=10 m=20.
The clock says h=11 m=58
